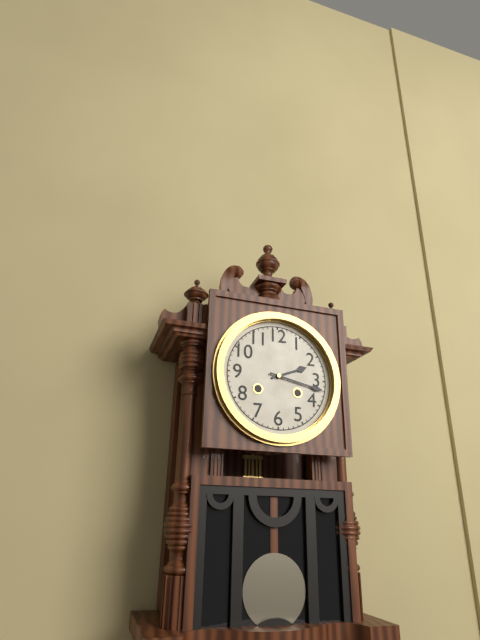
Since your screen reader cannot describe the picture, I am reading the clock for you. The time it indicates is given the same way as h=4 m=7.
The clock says h=2 m=17
